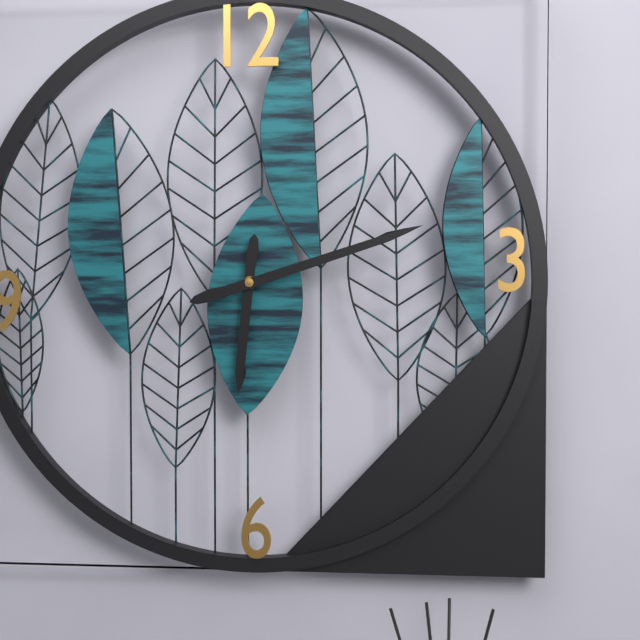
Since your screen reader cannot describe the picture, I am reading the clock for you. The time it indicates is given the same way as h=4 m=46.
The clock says h=6 m=12
